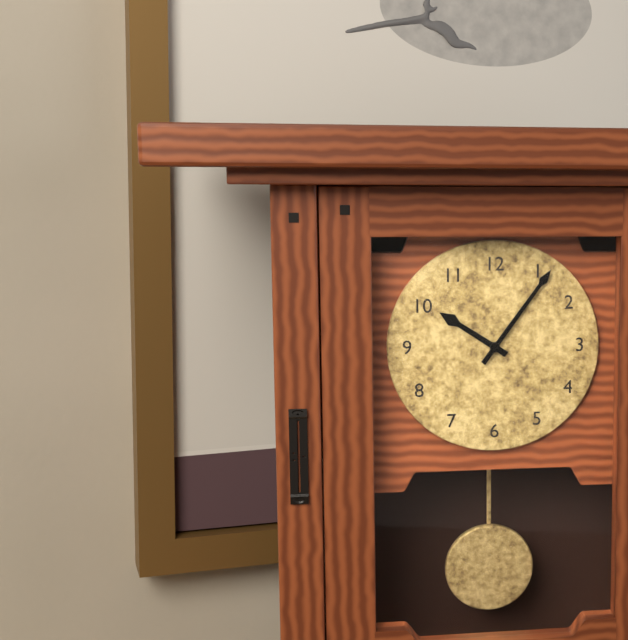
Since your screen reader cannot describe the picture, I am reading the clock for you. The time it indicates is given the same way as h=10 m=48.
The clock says h=10 m=6
